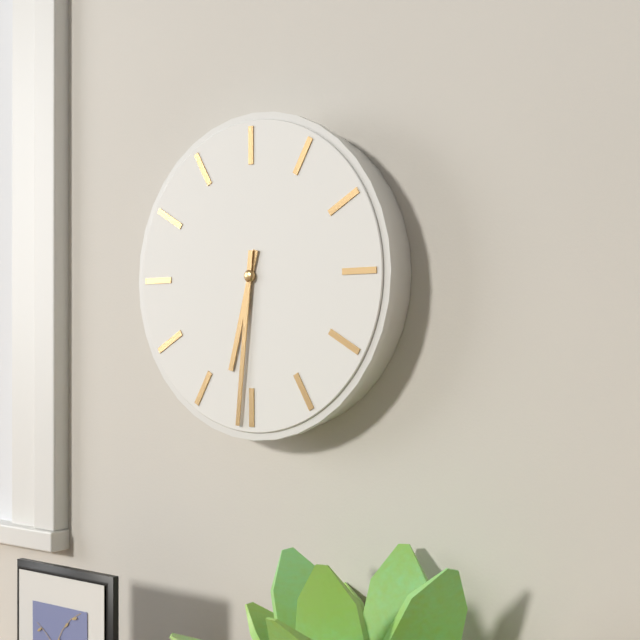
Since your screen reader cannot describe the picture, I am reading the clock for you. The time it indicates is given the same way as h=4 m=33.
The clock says h=6 m=31
